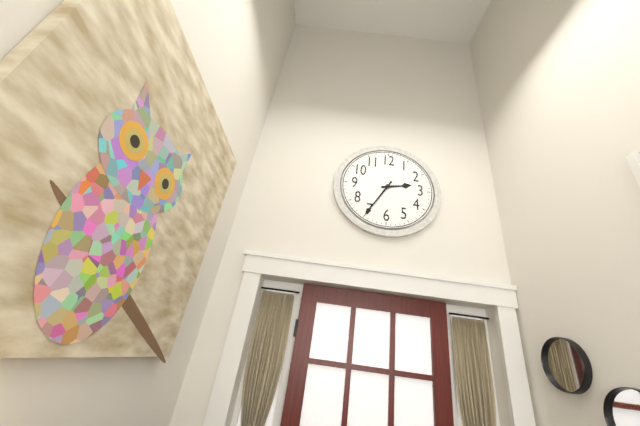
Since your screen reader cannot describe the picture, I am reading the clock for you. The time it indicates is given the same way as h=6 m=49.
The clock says h=2 m=35
